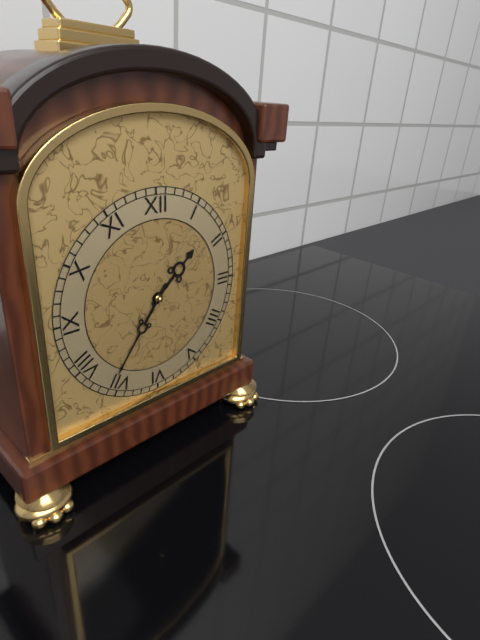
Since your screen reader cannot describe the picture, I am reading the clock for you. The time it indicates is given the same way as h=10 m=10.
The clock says h=1 m=36
